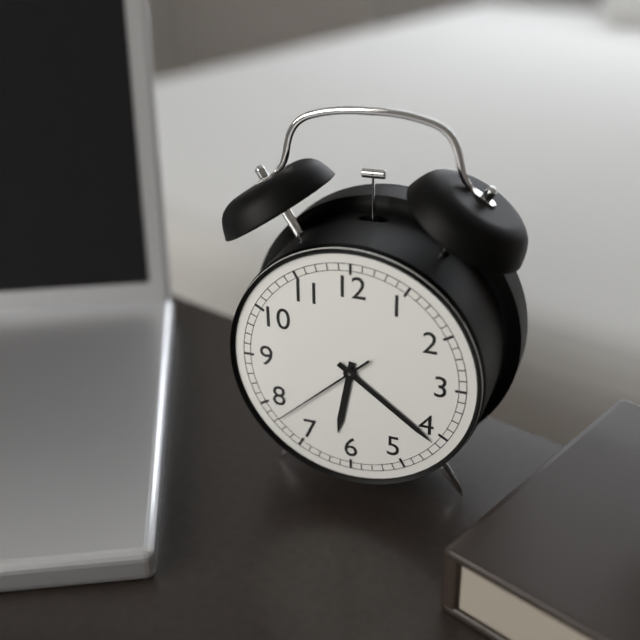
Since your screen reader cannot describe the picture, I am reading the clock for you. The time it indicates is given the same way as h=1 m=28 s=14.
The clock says h=6 m=21 s=38
